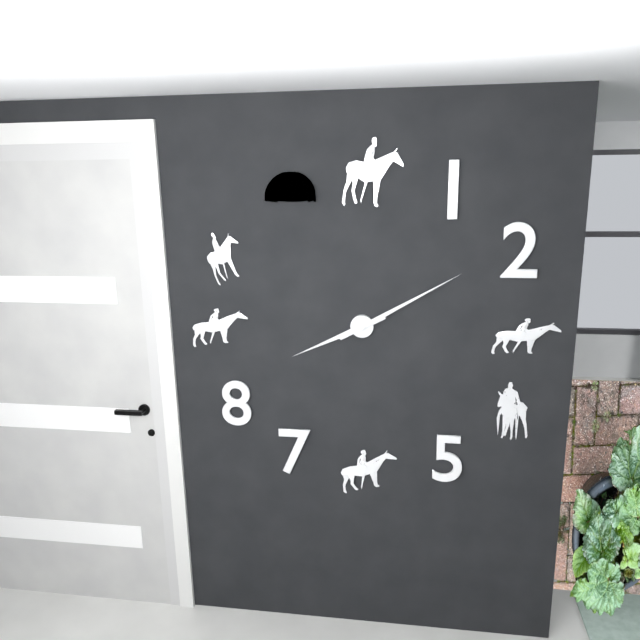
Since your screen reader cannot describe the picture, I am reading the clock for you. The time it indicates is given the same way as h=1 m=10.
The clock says h=8 m=10
